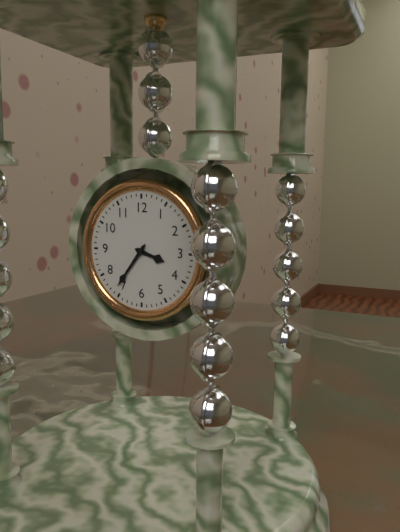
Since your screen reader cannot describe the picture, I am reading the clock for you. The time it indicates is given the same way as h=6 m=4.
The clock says h=3 m=36
